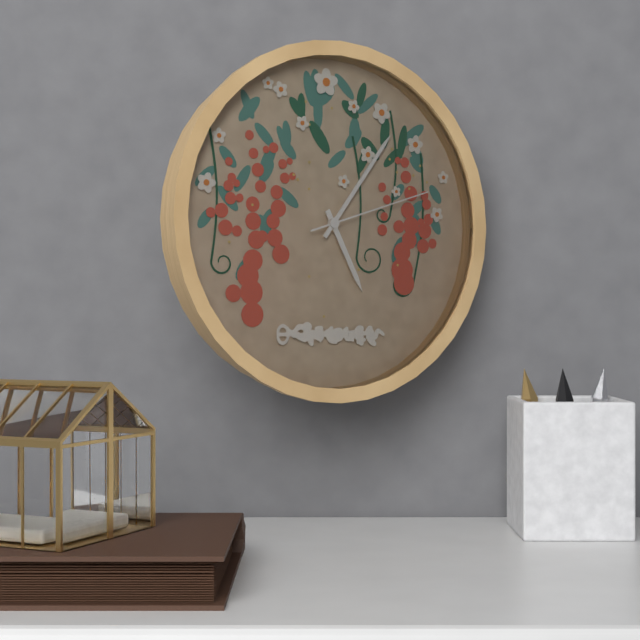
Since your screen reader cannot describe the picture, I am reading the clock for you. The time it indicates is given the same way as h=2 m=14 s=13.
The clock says h=5 m=6 s=12
